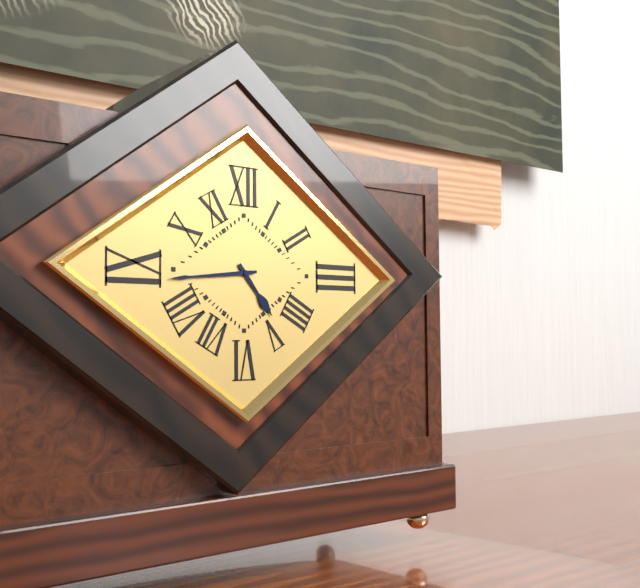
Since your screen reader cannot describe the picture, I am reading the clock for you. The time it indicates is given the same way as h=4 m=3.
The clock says h=4 m=44
